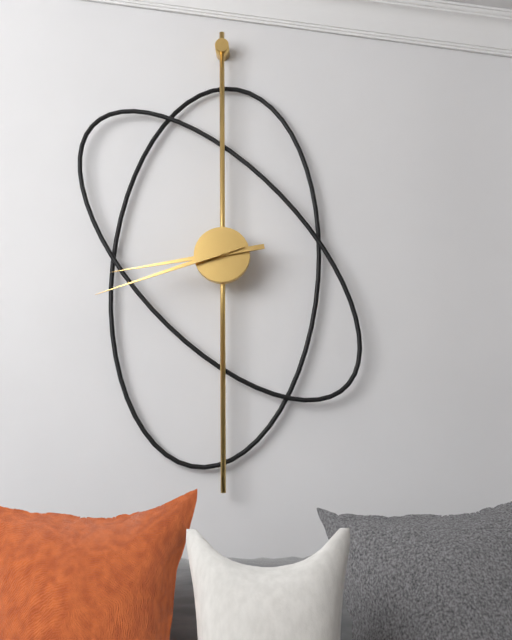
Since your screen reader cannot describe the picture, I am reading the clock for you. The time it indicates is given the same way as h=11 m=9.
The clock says h=8 m=42
